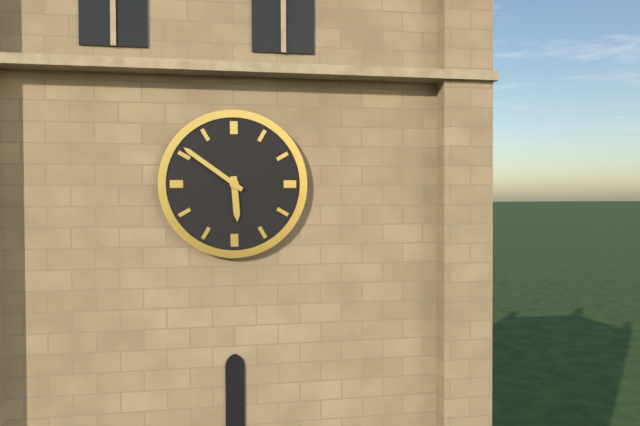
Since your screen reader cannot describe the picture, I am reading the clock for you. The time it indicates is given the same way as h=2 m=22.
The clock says h=5 m=51
